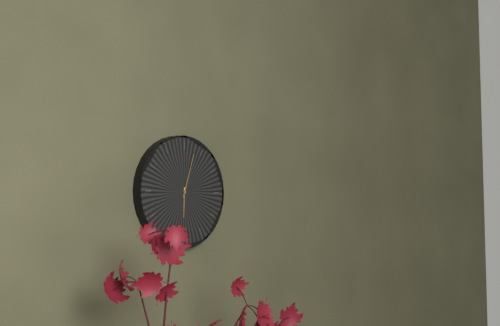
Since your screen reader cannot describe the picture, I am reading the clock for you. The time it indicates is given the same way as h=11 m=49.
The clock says h=6 m=3
